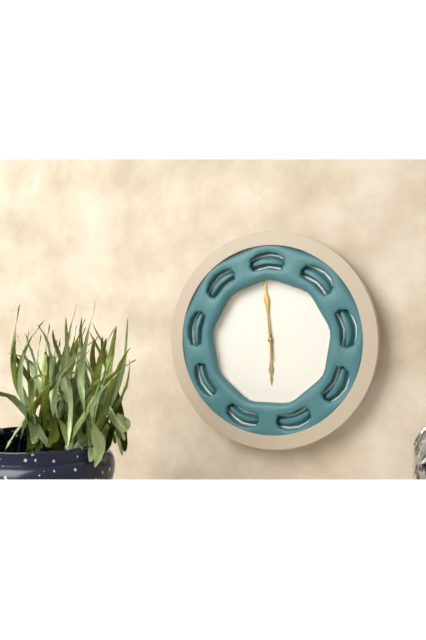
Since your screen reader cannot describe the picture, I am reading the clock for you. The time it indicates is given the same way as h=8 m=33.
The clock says h=5 m=59
